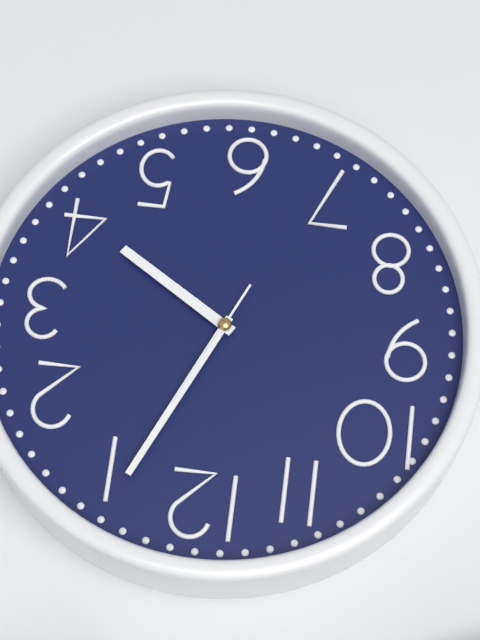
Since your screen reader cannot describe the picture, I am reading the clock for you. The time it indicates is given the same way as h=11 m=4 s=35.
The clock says h=4 m=4 s=4
